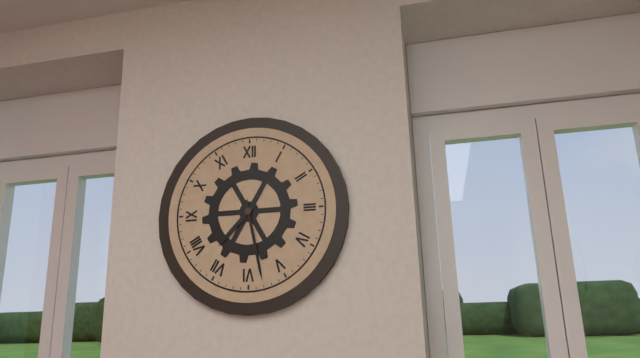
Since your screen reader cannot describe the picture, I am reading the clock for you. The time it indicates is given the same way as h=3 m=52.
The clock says h=7 m=28
